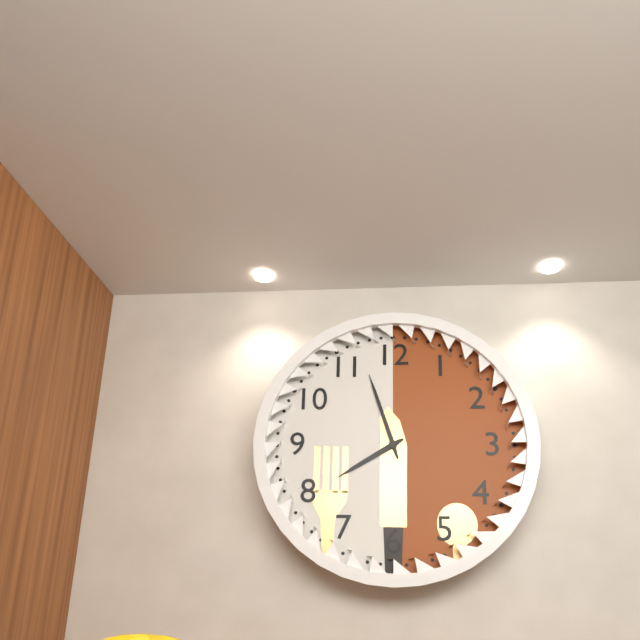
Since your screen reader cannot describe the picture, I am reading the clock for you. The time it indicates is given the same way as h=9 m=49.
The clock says h=7 m=57
